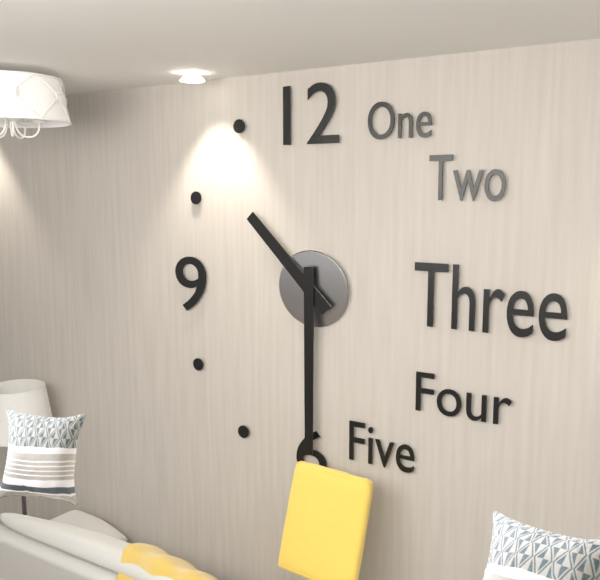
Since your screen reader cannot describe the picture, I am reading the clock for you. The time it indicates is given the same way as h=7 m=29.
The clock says h=10 m=30
